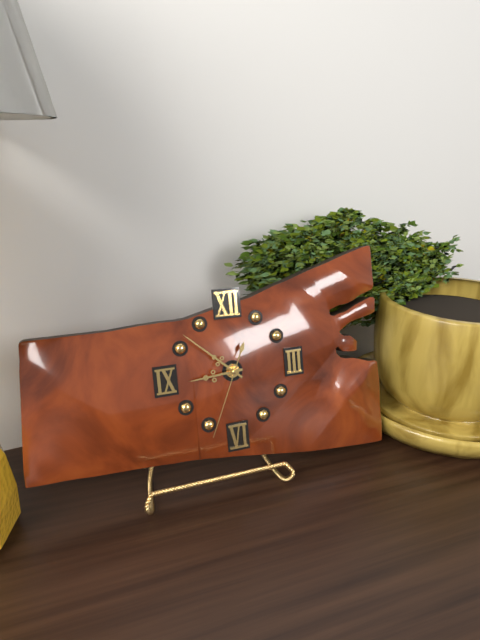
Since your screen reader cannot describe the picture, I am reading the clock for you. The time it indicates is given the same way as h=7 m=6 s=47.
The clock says h=8 m=52 s=34
